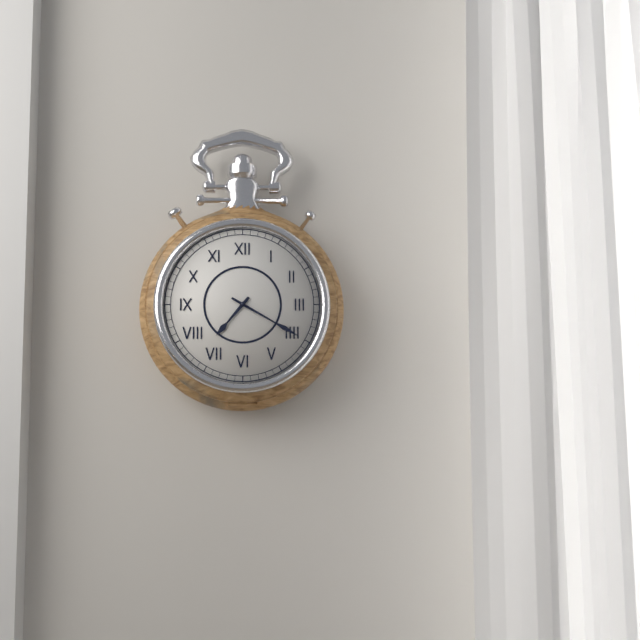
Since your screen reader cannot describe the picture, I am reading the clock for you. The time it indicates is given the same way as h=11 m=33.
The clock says h=7 m=20
